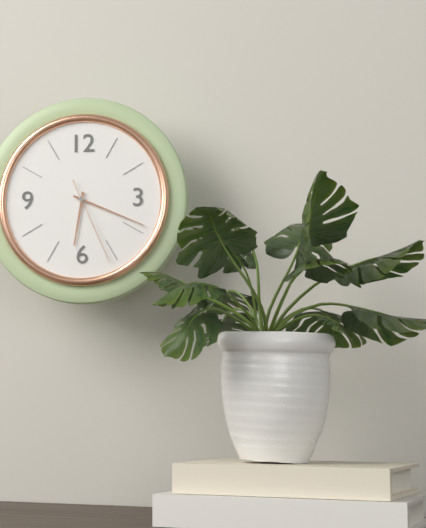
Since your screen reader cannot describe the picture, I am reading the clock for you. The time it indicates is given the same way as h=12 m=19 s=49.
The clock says h=6 m=19 s=26
